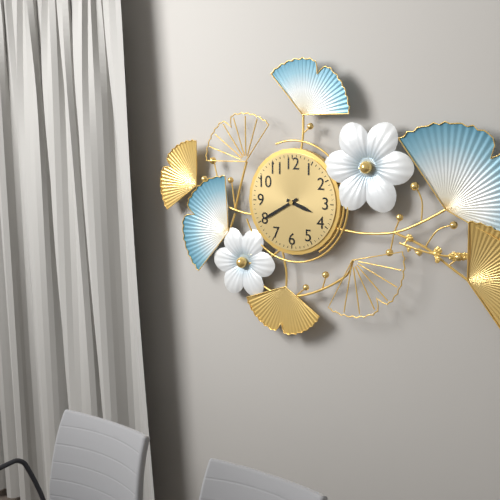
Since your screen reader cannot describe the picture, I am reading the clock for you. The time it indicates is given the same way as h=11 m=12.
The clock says h=3 m=40
